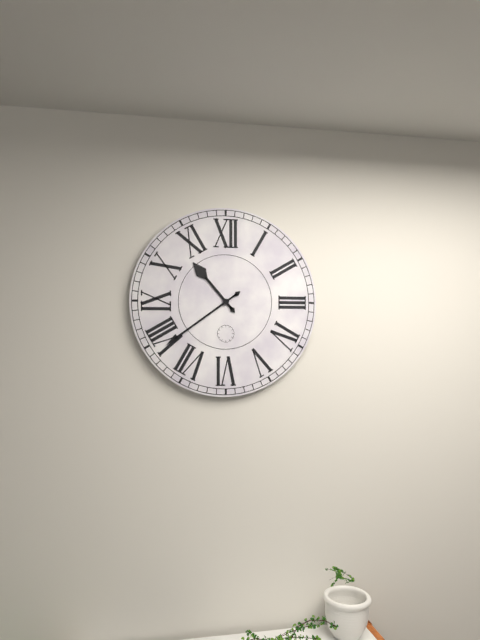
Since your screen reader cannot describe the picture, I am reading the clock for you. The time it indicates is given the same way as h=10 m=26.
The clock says h=10 m=39
